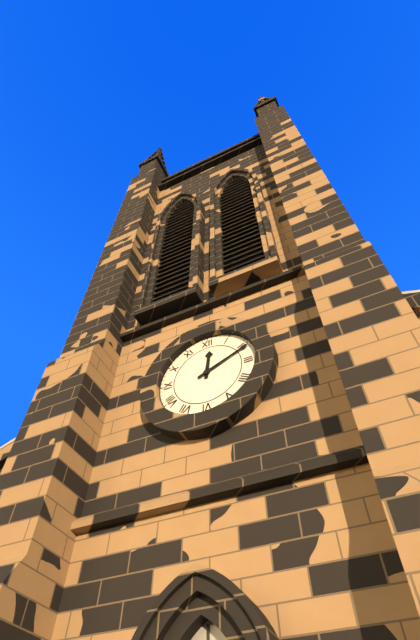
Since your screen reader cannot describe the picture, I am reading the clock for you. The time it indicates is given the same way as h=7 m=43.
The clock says h=12 m=11
